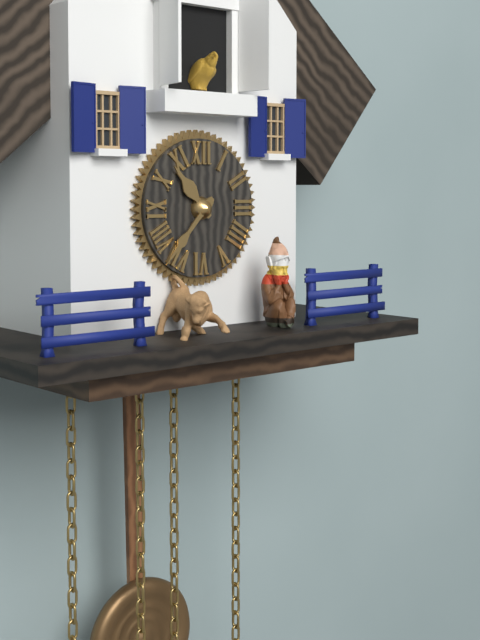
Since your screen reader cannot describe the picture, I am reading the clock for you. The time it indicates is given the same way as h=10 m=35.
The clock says h=10 m=37
